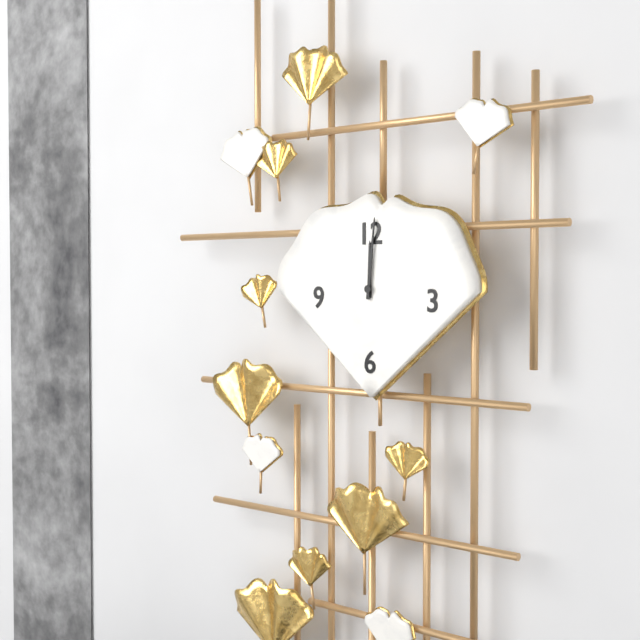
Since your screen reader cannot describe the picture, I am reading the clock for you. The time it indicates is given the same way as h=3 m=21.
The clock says h=12 m=1
